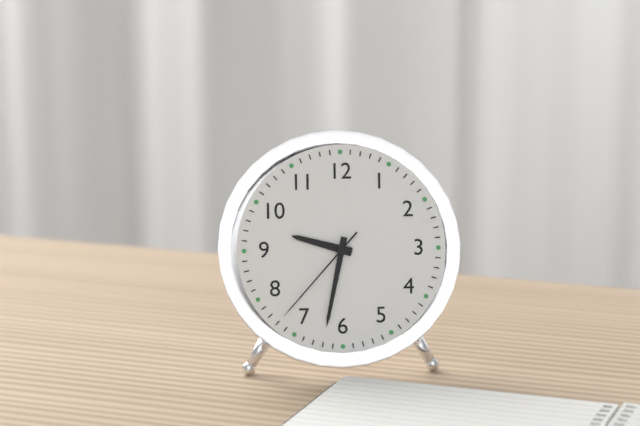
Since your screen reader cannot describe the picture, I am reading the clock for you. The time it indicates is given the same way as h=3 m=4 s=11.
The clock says h=9 m=32 s=37
